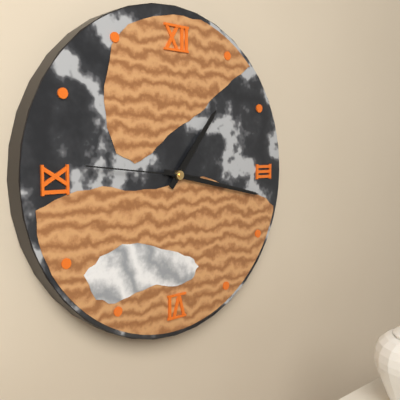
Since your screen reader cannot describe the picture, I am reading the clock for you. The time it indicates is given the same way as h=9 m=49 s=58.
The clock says h=1 m=17 s=46
